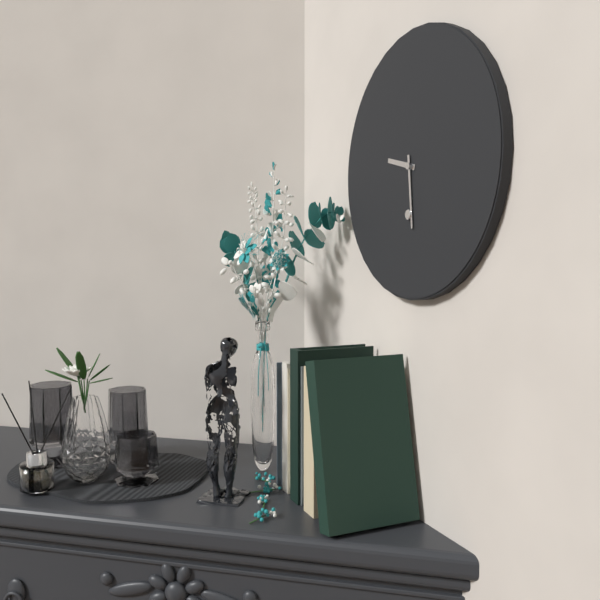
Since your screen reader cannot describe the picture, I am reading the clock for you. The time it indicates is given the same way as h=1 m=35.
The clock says h=9 m=29
